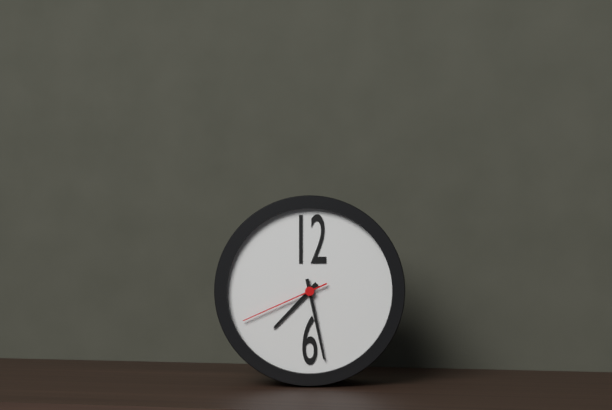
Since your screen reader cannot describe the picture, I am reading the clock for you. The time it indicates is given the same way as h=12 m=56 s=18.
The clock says h=7 m=28 s=41
